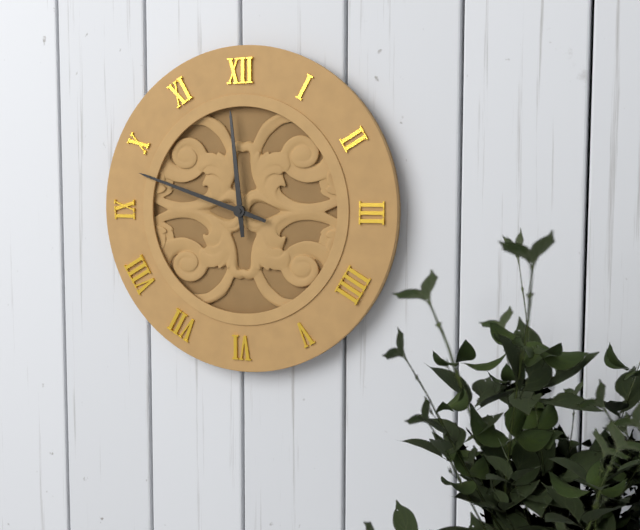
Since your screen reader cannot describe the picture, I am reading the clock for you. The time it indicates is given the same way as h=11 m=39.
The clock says h=11 m=48
